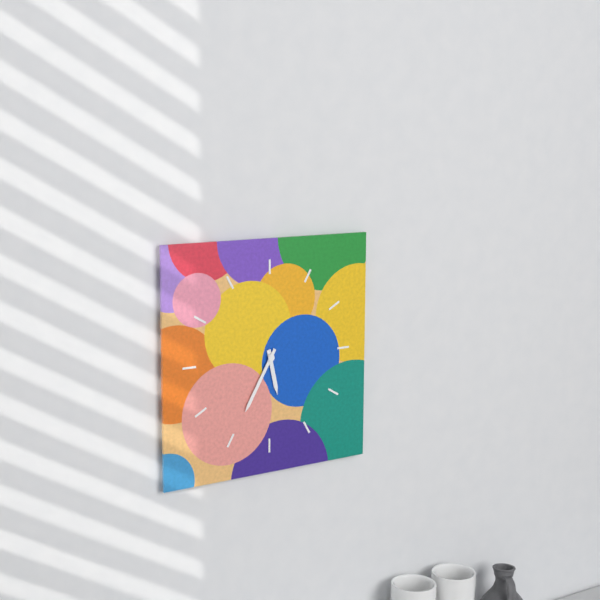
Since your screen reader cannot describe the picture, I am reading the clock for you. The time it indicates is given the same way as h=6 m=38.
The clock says h=5 m=35
